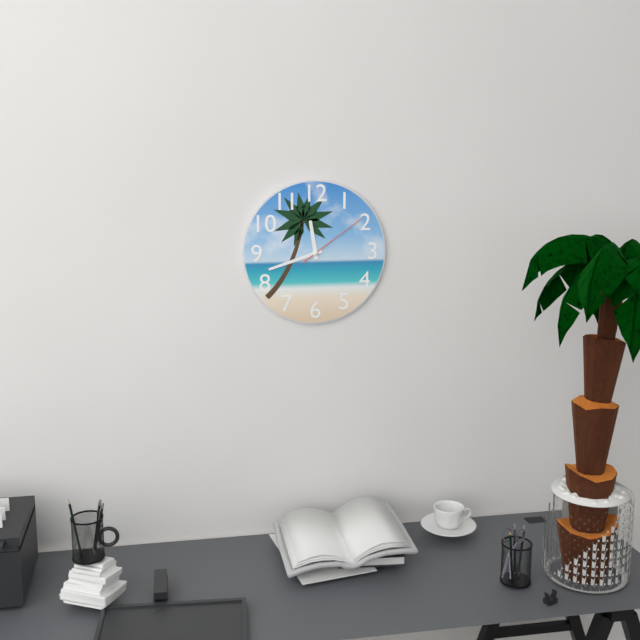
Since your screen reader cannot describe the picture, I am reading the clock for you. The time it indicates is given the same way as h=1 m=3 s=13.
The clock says h=11 m=42 s=9
